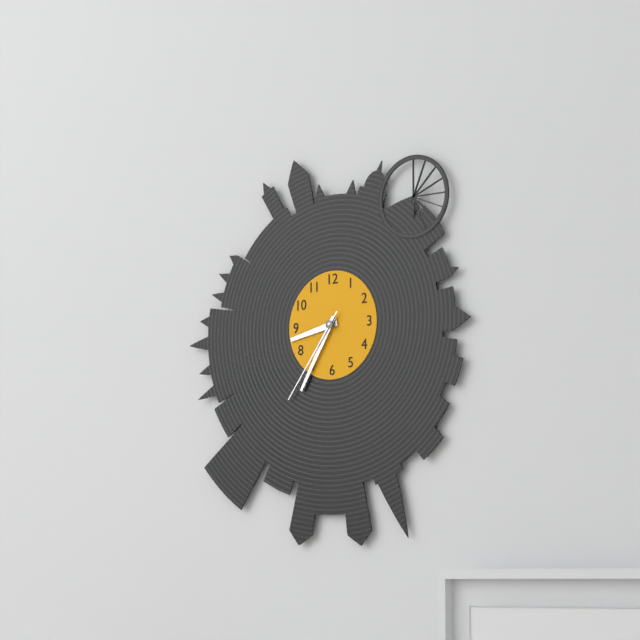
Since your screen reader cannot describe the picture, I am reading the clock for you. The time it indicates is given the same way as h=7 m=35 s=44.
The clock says h=8 m=35 s=36
